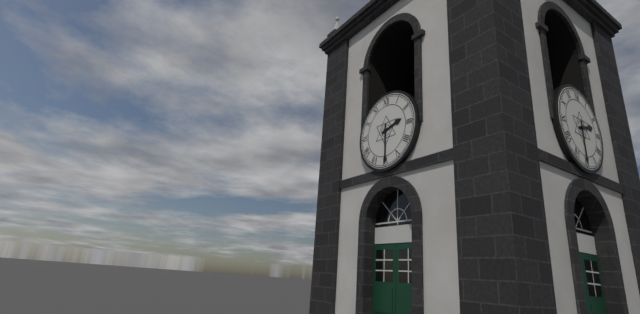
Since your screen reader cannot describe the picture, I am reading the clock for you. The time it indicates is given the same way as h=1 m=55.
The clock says h=2 m=30
